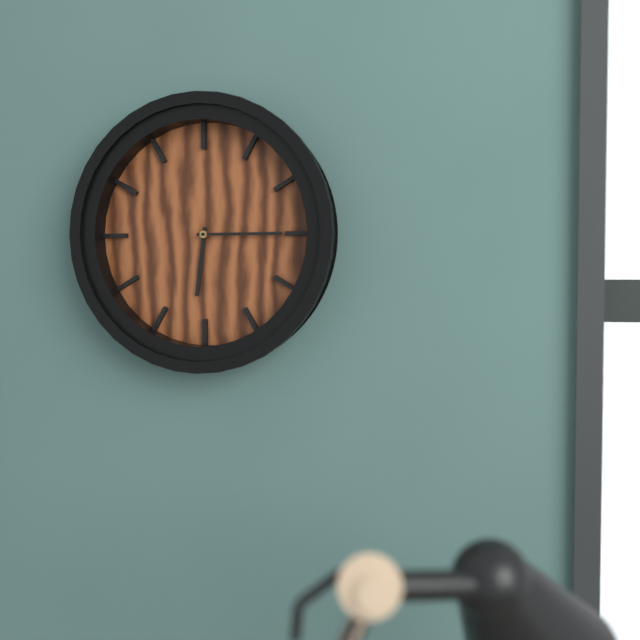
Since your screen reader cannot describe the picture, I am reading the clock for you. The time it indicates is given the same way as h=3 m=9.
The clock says h=6 m=15
